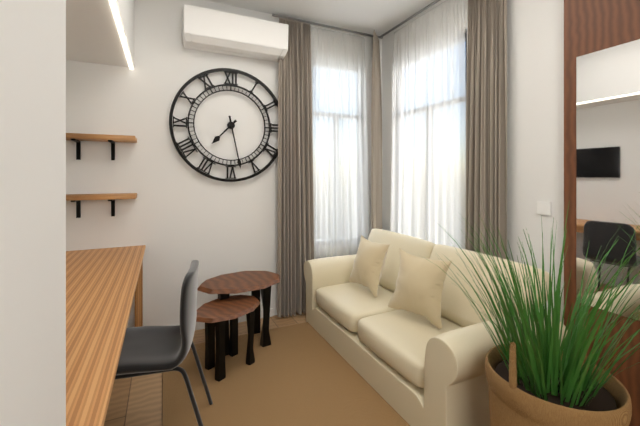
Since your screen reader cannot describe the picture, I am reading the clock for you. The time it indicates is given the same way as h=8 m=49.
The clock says h=7 m=28
